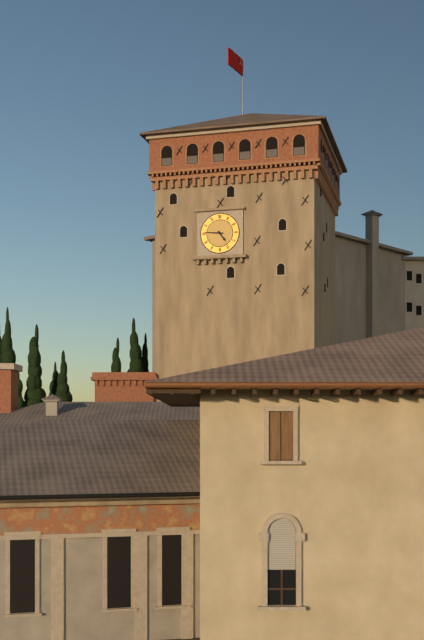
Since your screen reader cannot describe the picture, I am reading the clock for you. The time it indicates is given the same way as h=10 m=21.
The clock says h=4 m=46
